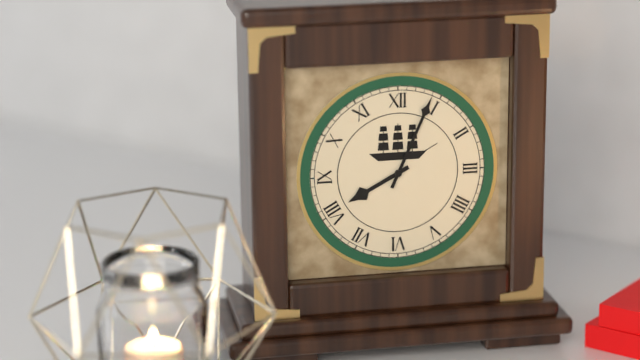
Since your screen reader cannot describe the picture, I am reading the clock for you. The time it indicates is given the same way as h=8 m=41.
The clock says h=8 m=4
